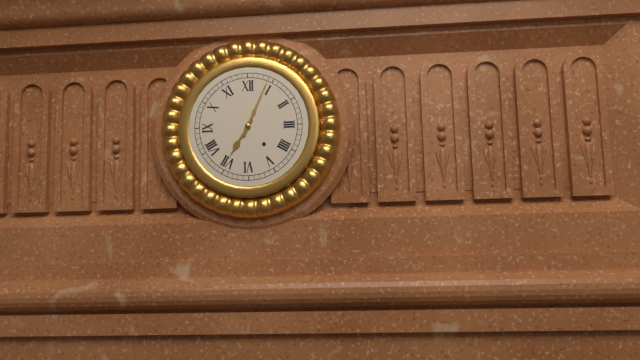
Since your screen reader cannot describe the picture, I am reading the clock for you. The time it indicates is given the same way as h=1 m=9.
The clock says h=7 m=4
